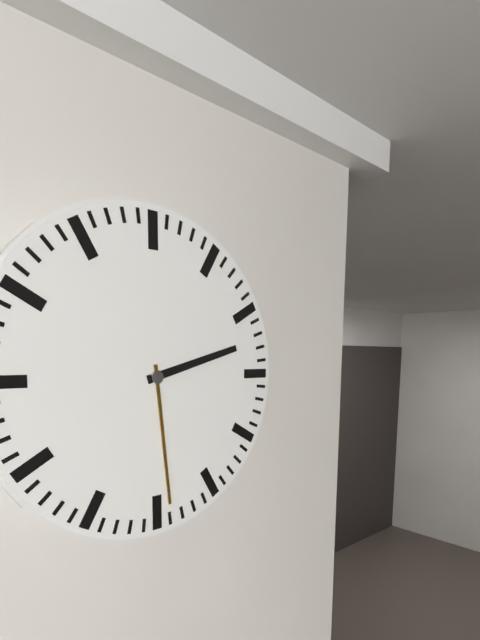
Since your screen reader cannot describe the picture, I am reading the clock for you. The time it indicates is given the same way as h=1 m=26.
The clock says h=2 m=29
